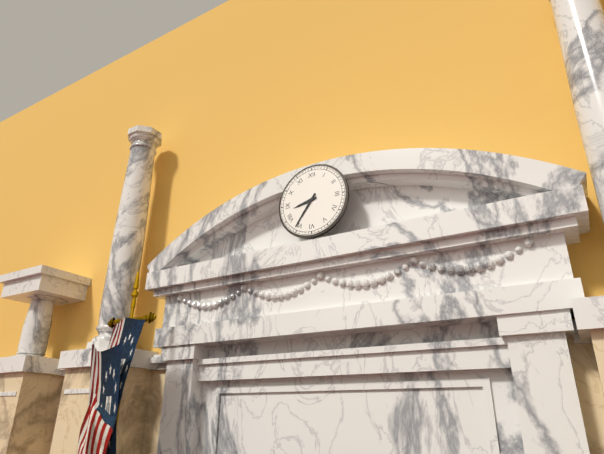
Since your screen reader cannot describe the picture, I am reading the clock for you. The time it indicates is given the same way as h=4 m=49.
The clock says h=8 m=36
